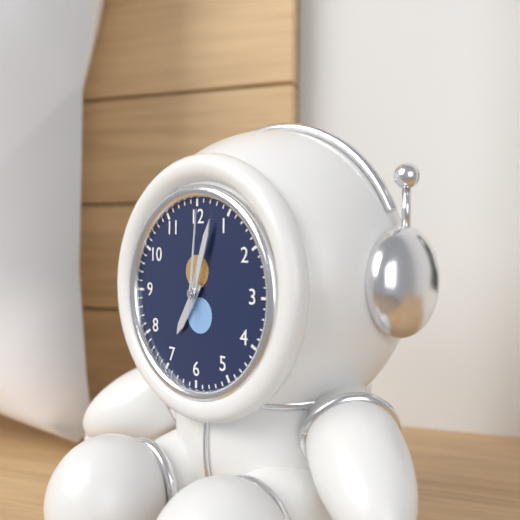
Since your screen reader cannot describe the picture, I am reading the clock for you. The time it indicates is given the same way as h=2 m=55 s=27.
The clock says h=7 m=3 s=1
